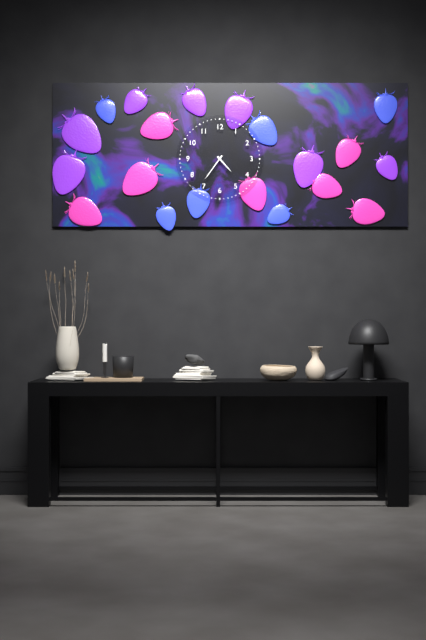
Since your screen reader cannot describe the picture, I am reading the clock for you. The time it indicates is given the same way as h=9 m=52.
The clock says h=4 m=36
